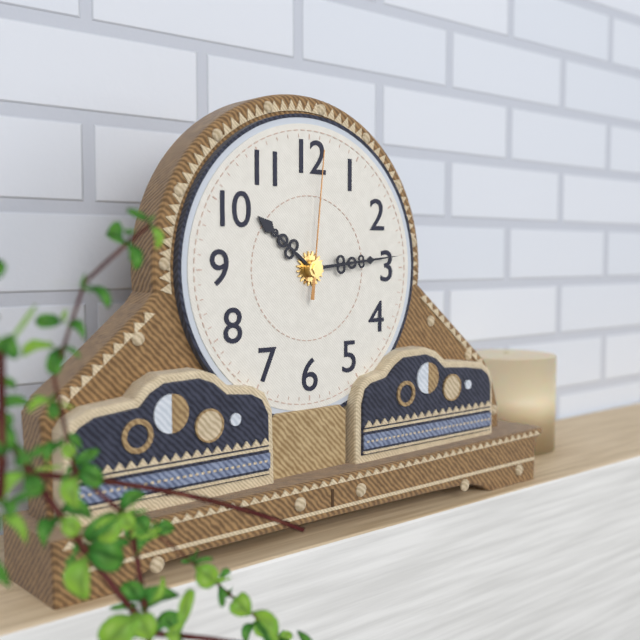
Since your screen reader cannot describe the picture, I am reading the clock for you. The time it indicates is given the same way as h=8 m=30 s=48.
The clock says h=10 m=14 s=1
